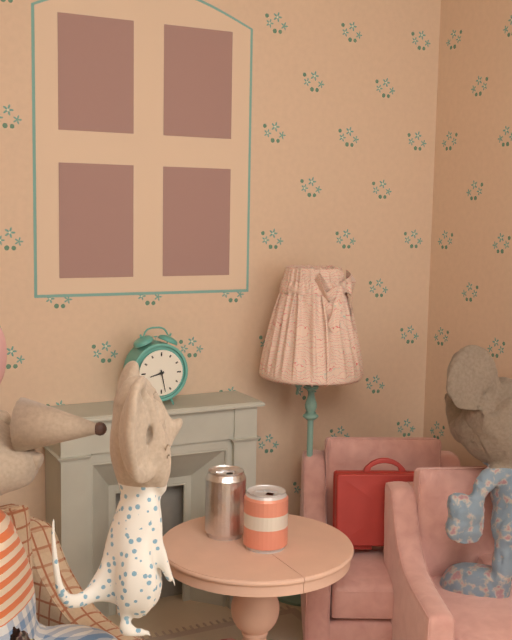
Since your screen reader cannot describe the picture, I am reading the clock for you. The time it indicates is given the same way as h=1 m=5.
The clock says h=8 m=28
